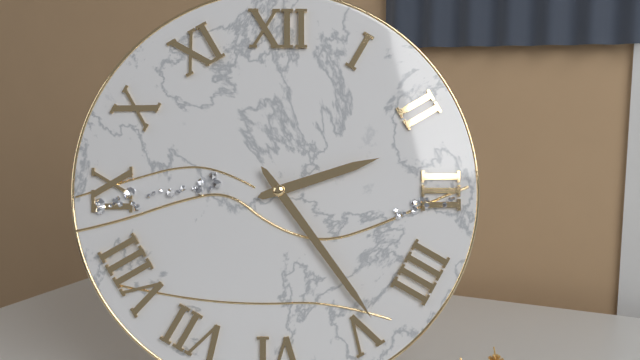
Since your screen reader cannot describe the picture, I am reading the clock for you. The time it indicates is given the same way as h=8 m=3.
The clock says h=2 m=24
